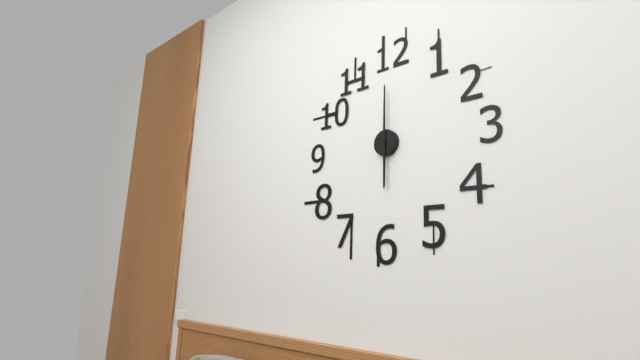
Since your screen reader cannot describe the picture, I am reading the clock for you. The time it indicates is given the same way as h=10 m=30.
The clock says h=6 m=0
